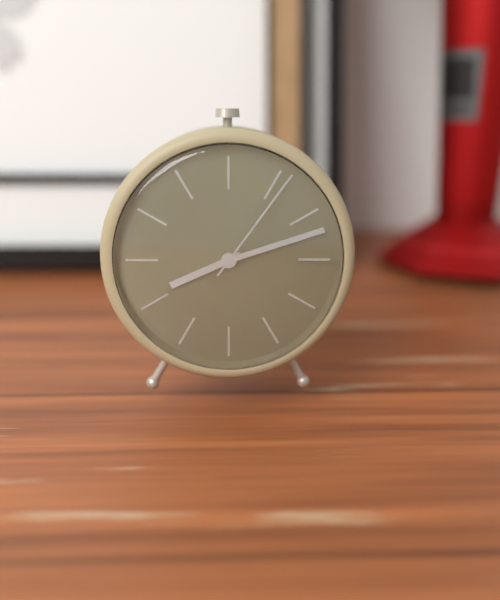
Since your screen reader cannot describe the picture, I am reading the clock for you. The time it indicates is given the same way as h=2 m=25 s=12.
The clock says h=8 m=12 s=6
